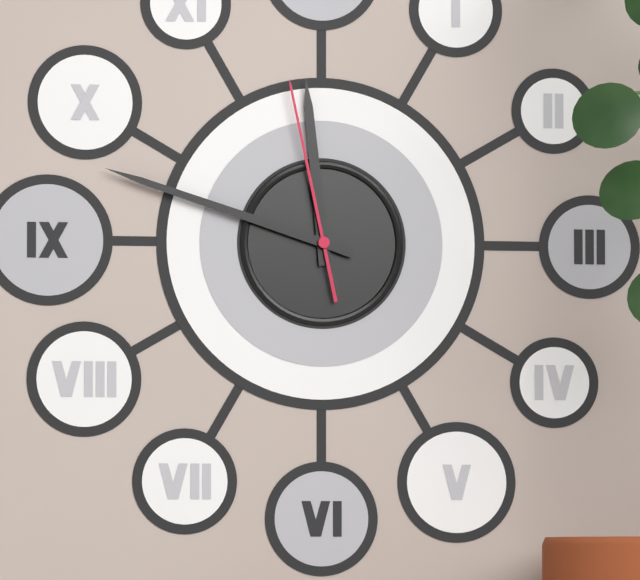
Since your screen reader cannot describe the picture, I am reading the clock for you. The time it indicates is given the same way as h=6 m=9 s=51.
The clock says h=11 m=48 s=58
